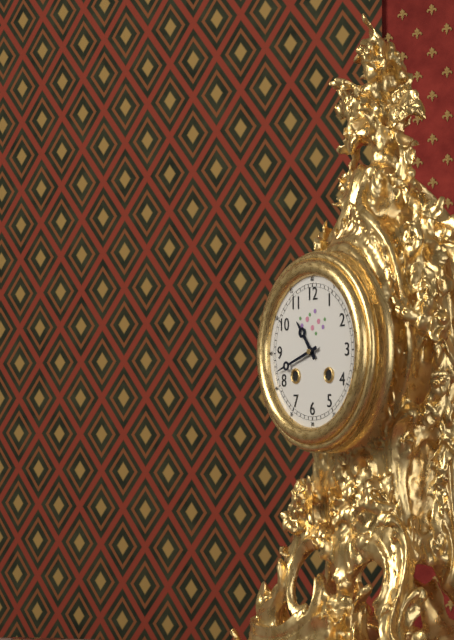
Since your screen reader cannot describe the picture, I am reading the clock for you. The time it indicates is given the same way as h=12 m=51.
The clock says h=10 m=42
